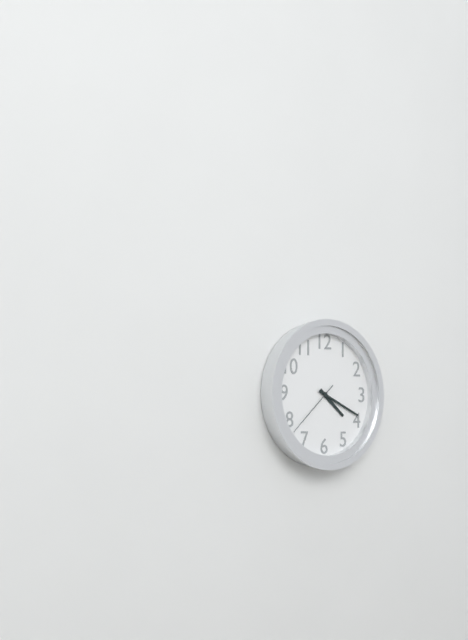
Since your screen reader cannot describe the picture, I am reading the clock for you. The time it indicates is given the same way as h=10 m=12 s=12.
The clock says h=4 m=19 s=38
